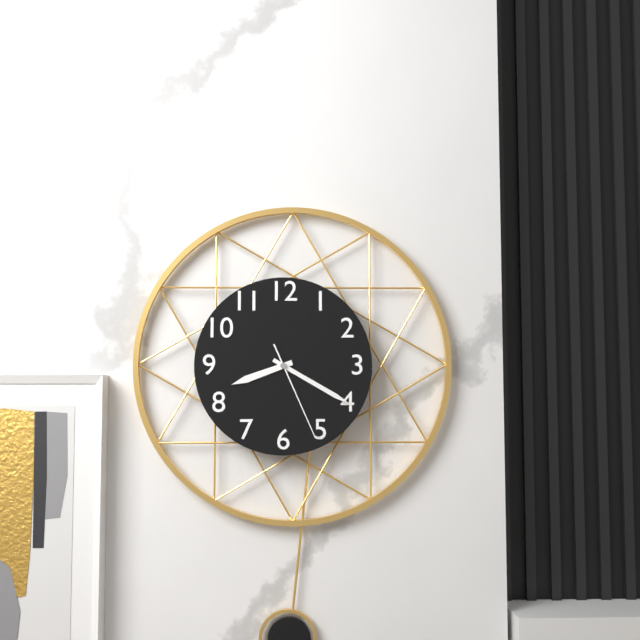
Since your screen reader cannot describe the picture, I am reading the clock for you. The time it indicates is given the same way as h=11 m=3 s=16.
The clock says h=8 m=20 s=26
